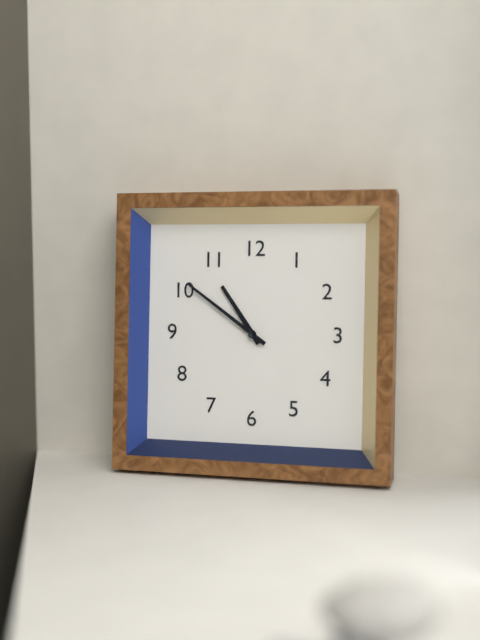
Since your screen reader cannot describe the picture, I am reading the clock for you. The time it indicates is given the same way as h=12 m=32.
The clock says h=10 m=51
